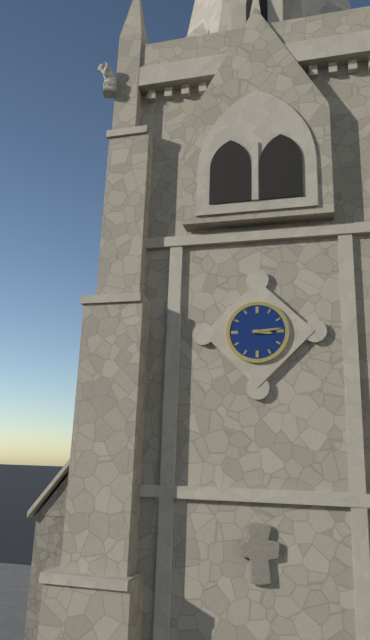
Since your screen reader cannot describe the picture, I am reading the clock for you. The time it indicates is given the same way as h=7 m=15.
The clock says h=3 m=14
